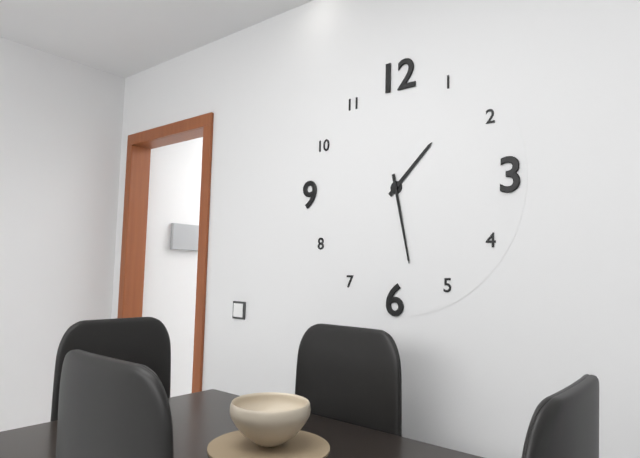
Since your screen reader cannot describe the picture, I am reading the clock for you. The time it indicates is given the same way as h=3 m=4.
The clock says h=1 m=28
